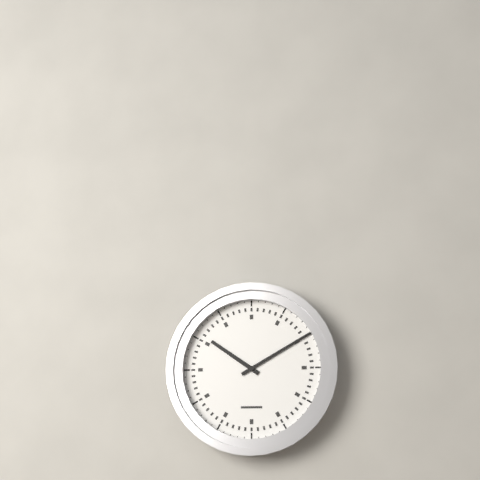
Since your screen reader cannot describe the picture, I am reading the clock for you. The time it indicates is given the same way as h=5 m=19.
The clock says h=10 m=10
